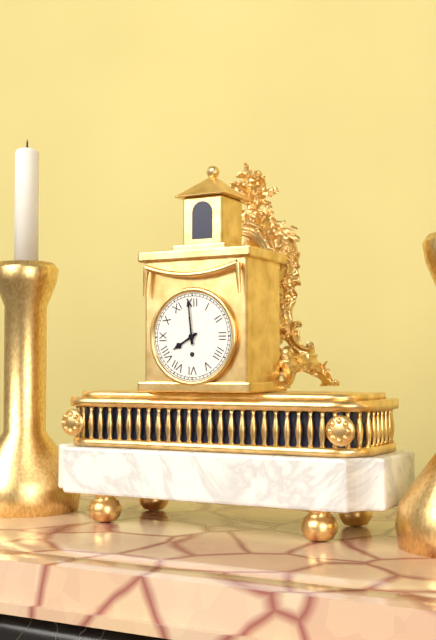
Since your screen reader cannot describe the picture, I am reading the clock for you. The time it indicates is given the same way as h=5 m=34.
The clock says h=7 m=59
